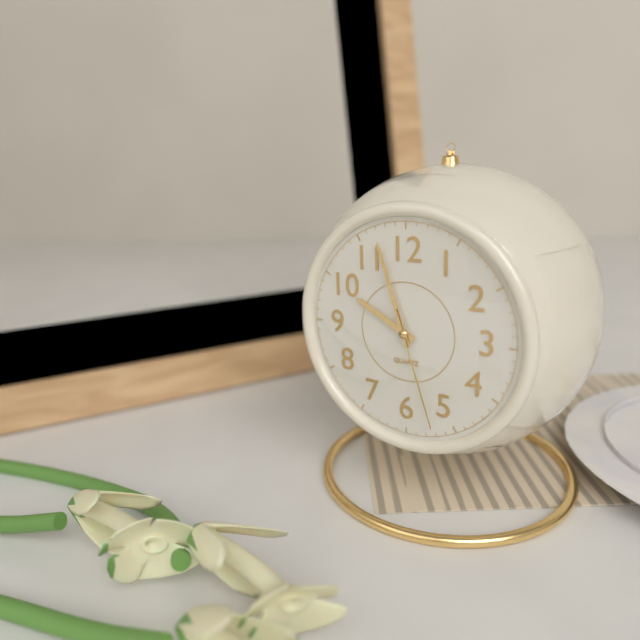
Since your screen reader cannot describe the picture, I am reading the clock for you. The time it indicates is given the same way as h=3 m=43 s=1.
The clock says h=9 m=57 s=27
